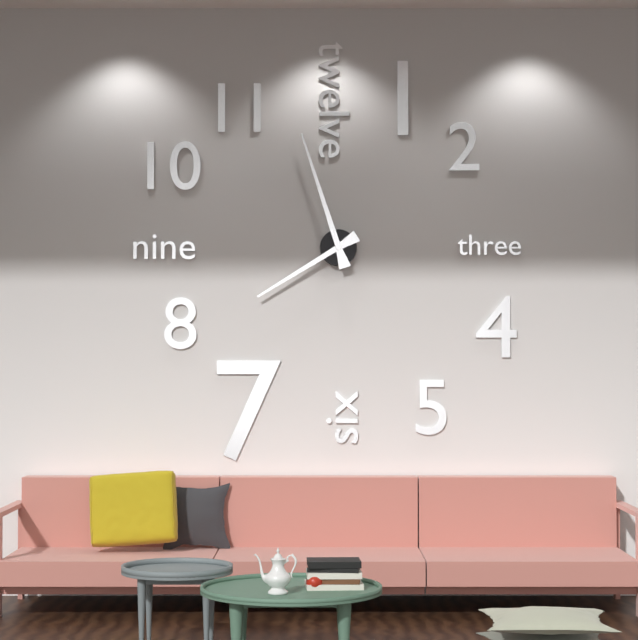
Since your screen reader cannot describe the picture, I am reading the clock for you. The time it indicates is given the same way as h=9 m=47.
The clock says h=7 m=57
